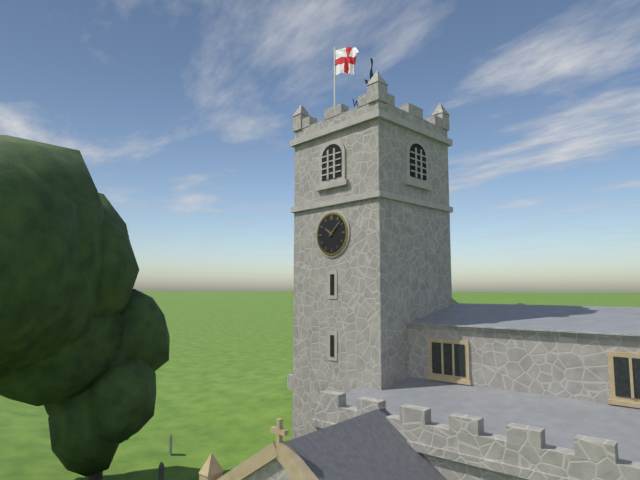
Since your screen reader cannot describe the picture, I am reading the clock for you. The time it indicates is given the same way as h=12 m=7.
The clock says h=10 m=8
